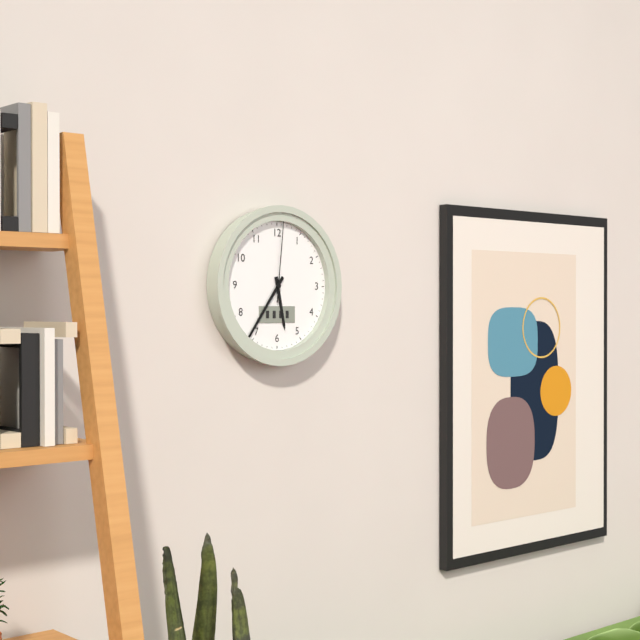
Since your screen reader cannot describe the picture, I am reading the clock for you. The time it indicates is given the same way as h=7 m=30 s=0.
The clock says h=5 m=36 s=1
